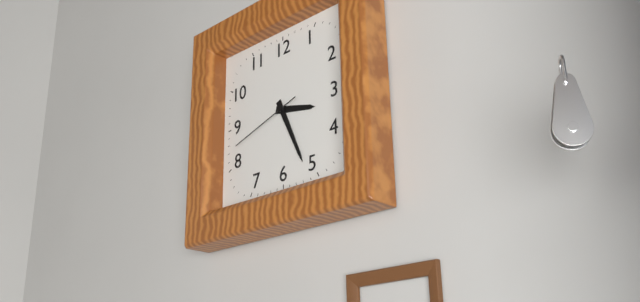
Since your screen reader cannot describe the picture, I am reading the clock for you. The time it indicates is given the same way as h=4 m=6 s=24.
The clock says h=3 m=26 s=42
